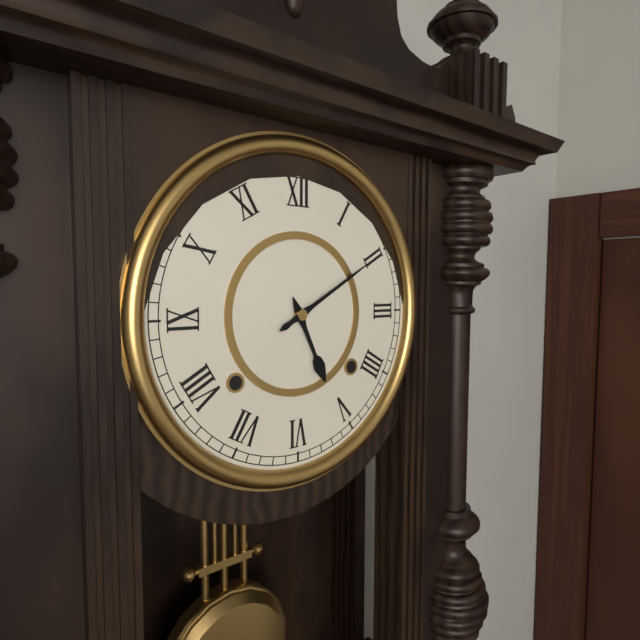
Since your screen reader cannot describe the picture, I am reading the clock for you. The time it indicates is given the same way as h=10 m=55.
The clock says h=5 m=10
